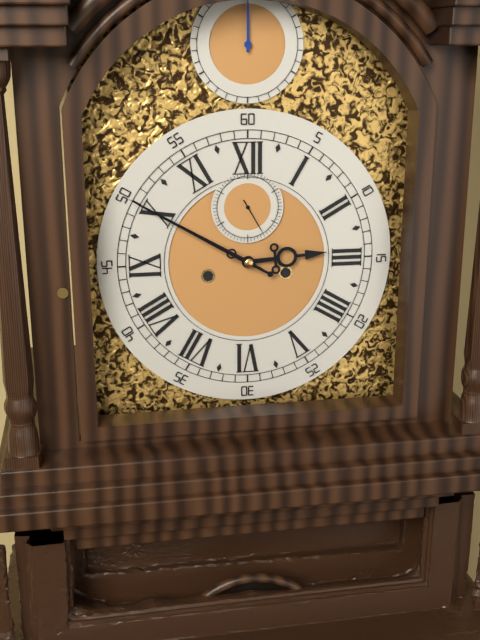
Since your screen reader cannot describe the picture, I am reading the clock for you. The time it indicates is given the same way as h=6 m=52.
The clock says h=2 m=50
